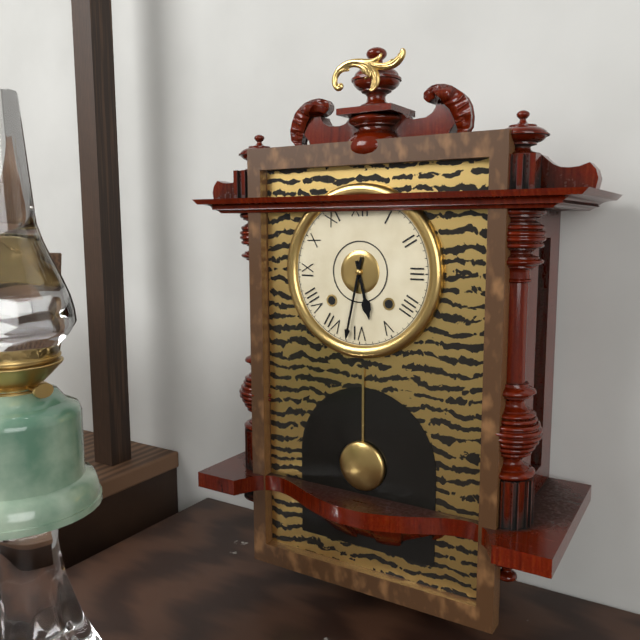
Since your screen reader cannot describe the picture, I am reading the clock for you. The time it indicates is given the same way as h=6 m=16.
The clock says h=5 m=32
